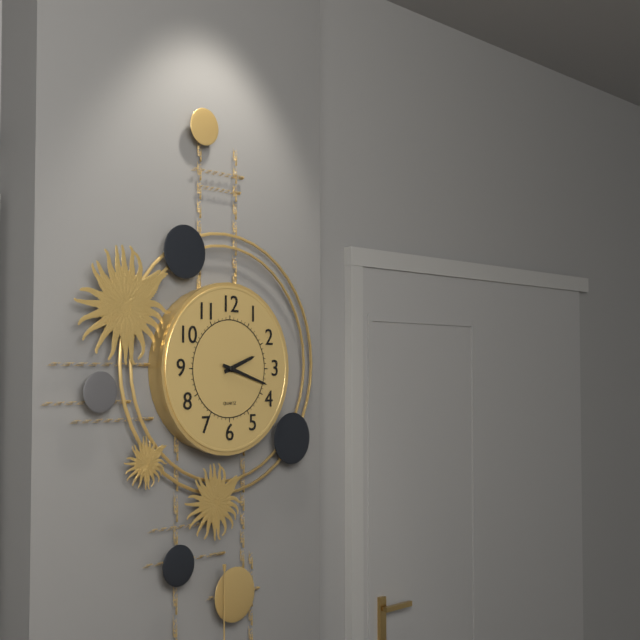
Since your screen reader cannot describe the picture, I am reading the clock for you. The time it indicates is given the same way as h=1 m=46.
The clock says h=2 m=18
